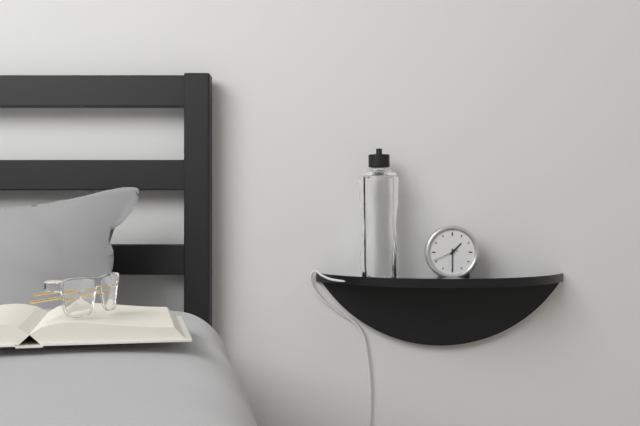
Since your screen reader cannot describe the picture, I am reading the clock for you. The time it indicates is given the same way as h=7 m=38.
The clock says h=1 m=30
